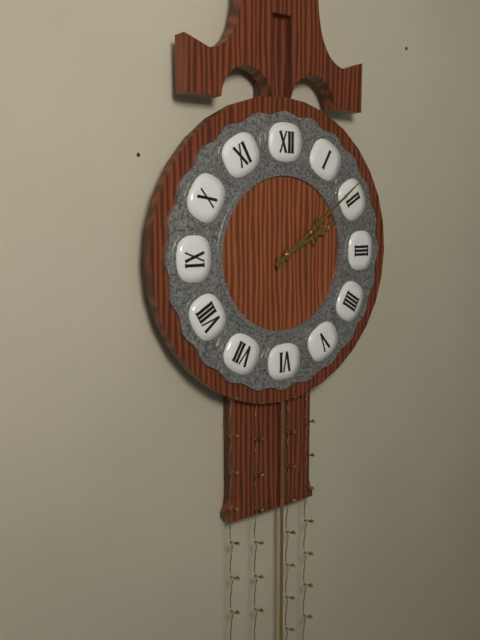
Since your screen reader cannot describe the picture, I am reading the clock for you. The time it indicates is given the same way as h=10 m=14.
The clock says h=2 m=9
